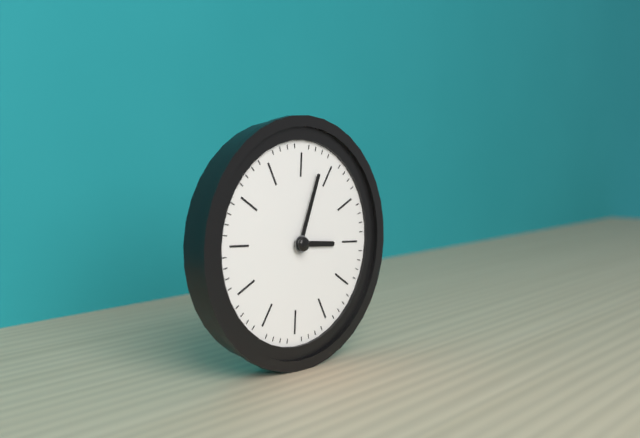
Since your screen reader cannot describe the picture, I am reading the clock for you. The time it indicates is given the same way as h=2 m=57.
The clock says h=3 m=3
